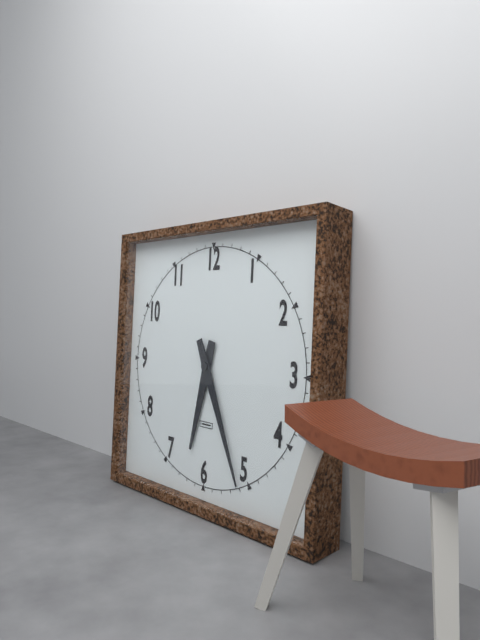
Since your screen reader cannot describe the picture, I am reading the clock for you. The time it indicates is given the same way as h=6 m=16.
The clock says h=6 m=26
